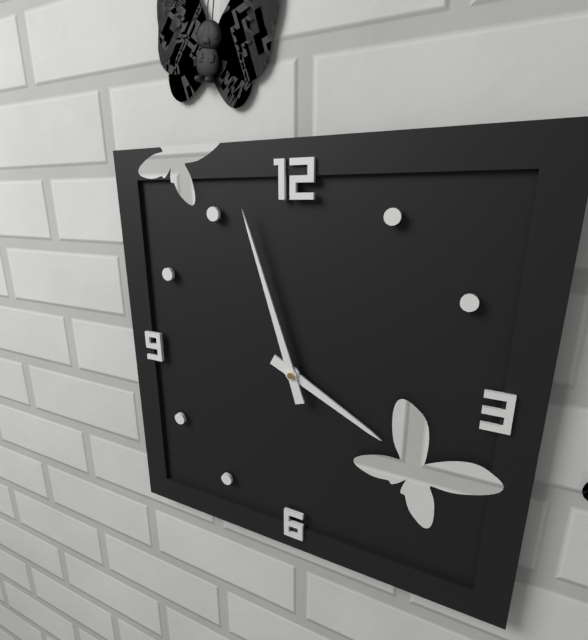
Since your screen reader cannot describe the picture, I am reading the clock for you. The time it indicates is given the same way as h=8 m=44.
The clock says h=3 m=57
